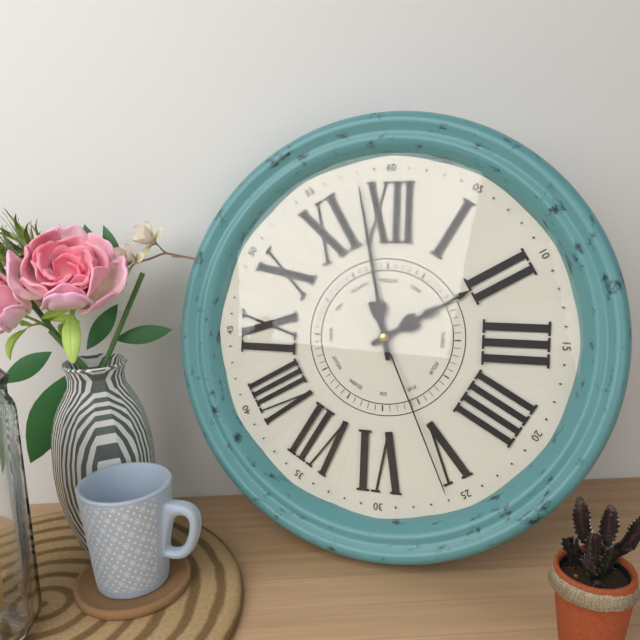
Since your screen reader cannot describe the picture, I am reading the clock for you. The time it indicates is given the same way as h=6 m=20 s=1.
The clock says h=1 m=58 s=26
